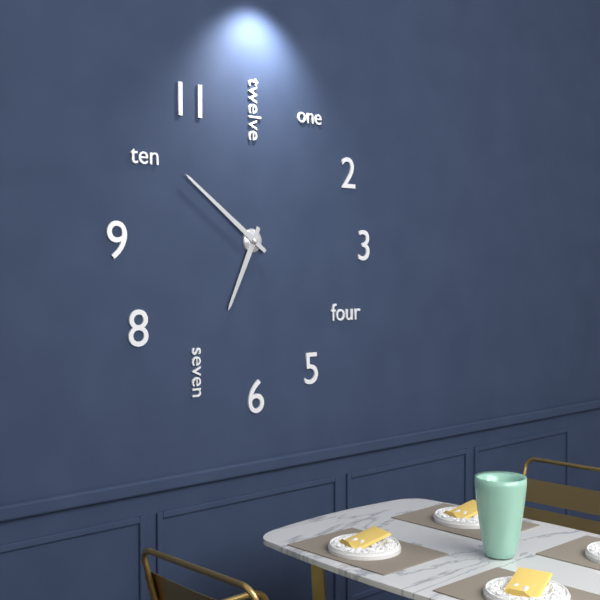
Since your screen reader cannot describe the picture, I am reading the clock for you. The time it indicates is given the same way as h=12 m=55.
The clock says h=6 m=51
